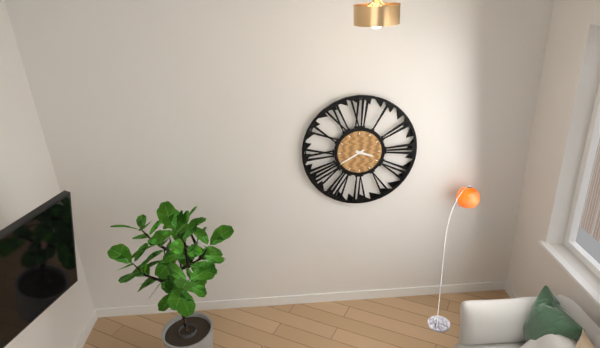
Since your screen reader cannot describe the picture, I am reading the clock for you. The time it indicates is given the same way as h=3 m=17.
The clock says h=3 m=40
